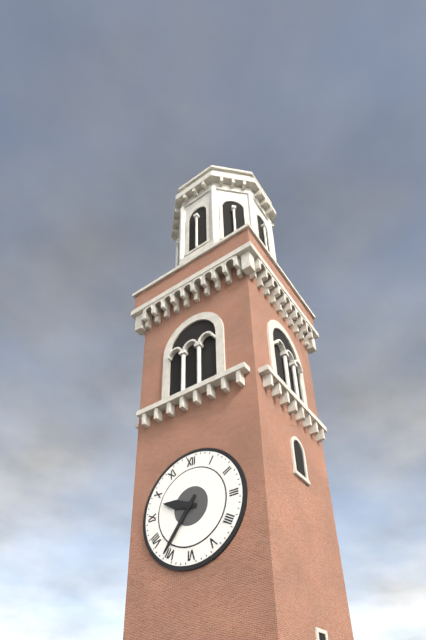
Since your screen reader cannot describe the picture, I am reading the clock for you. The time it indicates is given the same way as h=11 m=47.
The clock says h=9 m=36
